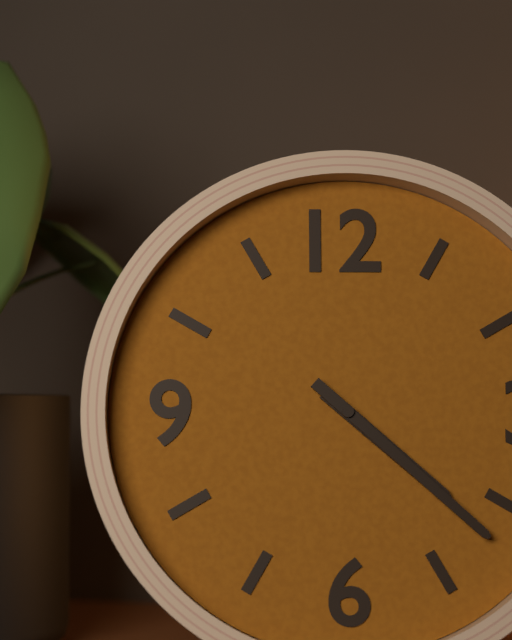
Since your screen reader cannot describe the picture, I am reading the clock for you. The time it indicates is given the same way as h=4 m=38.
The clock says h=4 m=22
